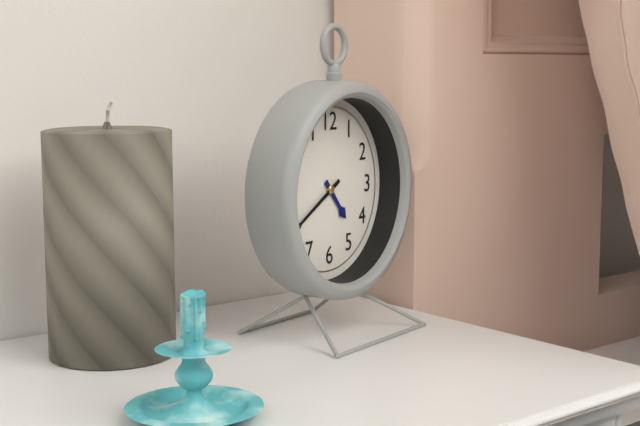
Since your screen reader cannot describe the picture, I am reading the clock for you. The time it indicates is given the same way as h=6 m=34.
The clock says h=4 m=40
